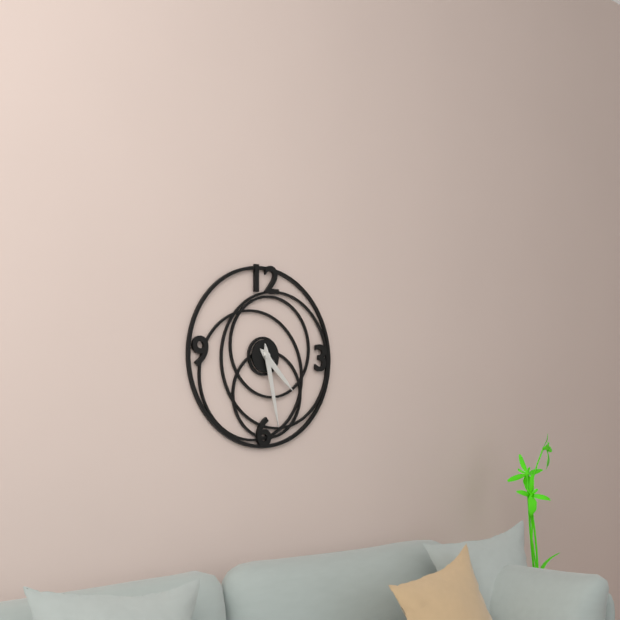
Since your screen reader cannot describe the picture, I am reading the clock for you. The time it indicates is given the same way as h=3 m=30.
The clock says h=4 m=28
